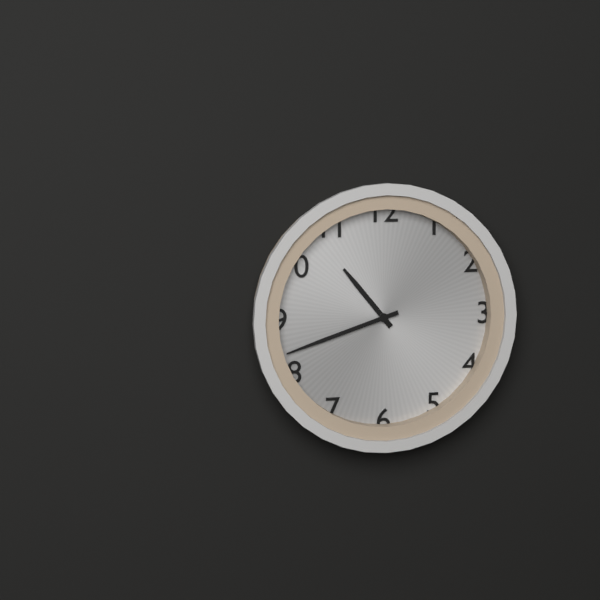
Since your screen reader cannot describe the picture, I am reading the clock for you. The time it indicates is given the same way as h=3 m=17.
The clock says h=10 m=42
